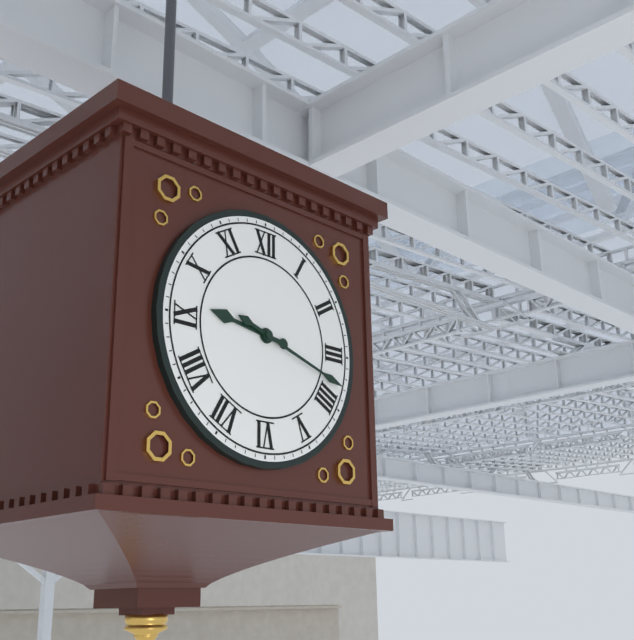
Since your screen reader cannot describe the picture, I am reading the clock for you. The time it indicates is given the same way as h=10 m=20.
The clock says h=9 m=18
